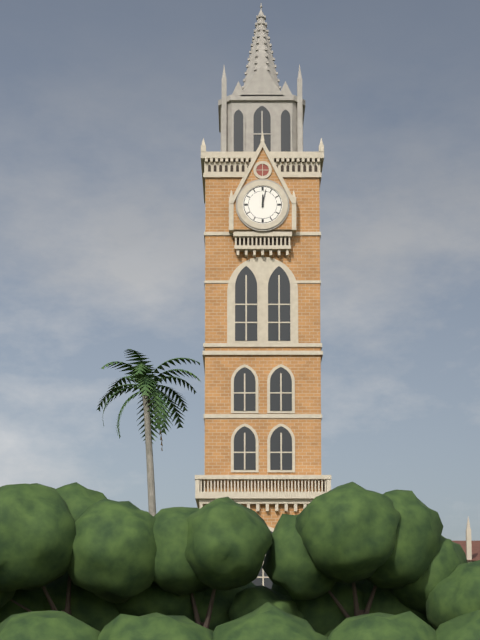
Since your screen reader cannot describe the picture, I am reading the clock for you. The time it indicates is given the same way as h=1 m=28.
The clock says h=12 m=2
